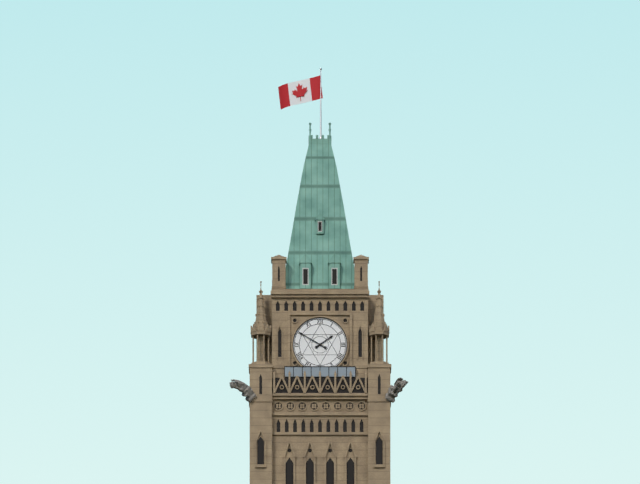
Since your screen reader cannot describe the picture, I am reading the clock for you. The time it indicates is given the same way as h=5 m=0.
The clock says h=1 m=50
